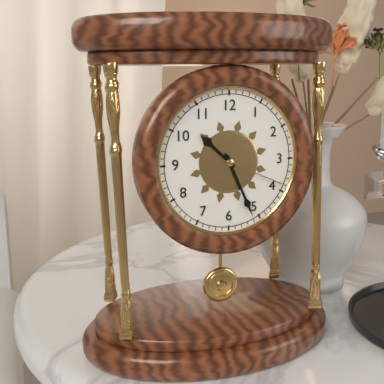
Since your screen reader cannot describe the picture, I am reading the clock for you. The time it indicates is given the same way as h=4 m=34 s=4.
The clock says h=10 m=26 s=19
